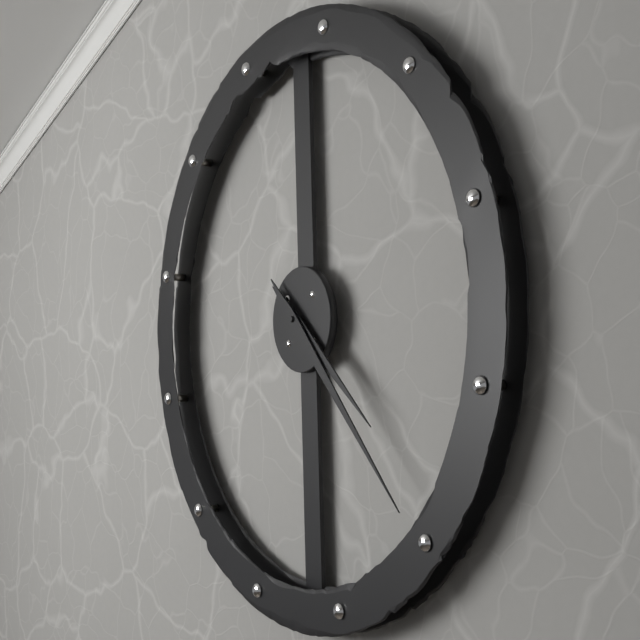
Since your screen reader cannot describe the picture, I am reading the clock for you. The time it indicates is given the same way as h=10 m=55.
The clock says h=4 m=23
